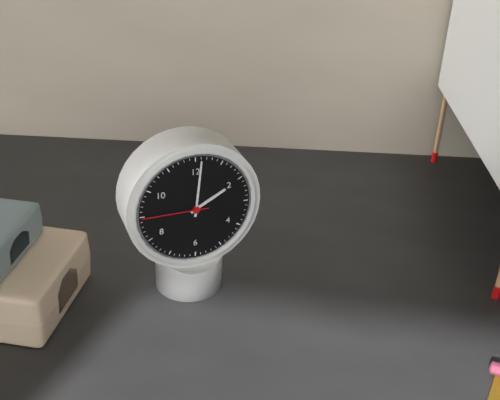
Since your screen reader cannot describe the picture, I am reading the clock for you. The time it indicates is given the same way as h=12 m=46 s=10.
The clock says h=2 m=1 s=45
